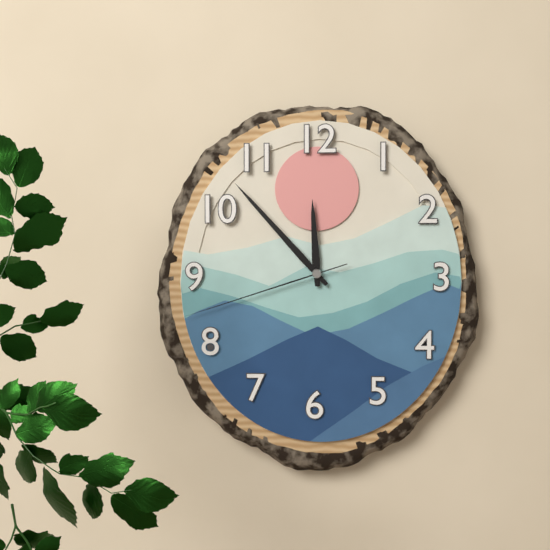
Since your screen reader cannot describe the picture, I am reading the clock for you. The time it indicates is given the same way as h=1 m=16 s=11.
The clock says h=11 m=53 s=42
